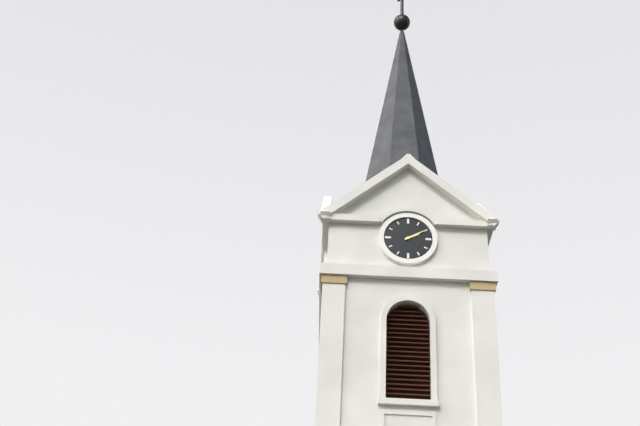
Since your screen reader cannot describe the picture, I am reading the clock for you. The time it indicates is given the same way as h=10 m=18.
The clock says h=2 m=10
